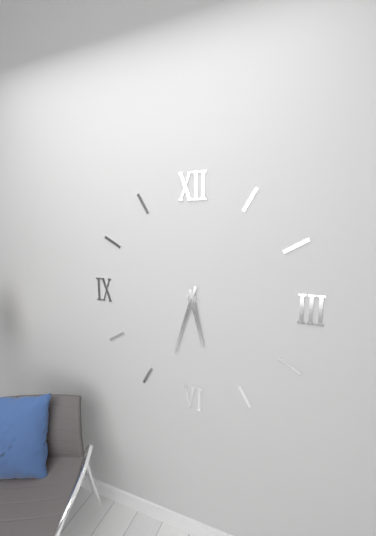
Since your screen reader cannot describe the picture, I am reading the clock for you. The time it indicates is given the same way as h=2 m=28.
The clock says h=5 m=33
